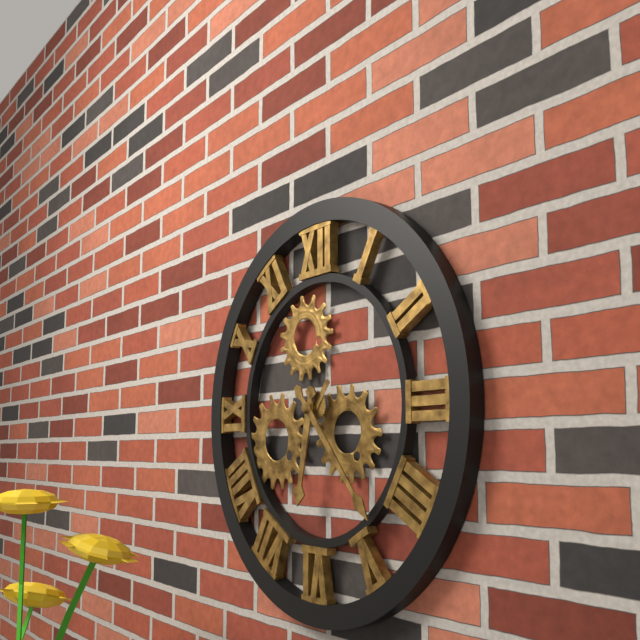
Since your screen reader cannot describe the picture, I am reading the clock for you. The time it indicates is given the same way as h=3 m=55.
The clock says h=6 m=23
